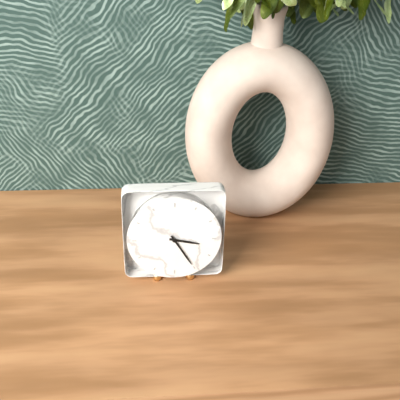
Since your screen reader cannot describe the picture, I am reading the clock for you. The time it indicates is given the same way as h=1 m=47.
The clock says h=3 m=25
